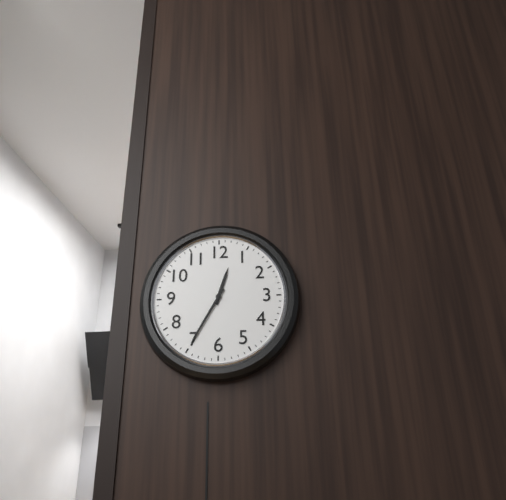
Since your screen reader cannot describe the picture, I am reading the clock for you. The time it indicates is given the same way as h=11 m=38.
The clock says h=12 m=35
